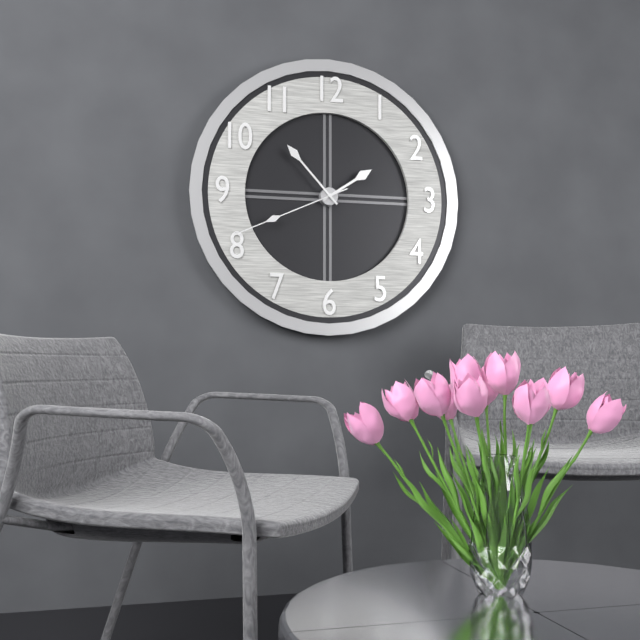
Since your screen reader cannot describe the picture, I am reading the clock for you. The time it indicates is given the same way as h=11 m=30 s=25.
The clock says h=1 m=53 s=41
